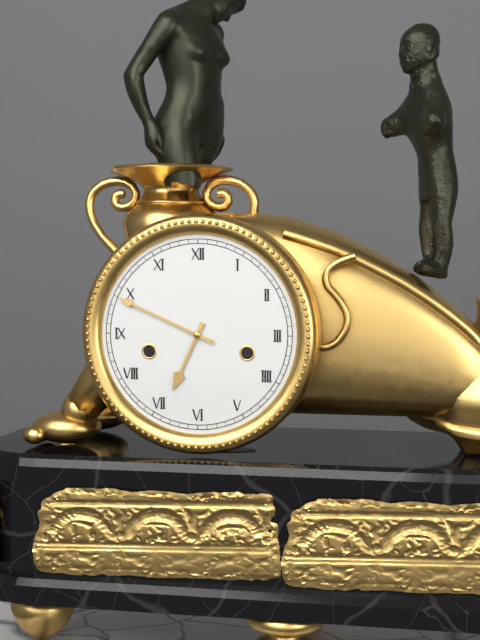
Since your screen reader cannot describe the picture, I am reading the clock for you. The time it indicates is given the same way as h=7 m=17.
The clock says h=6 m=49
